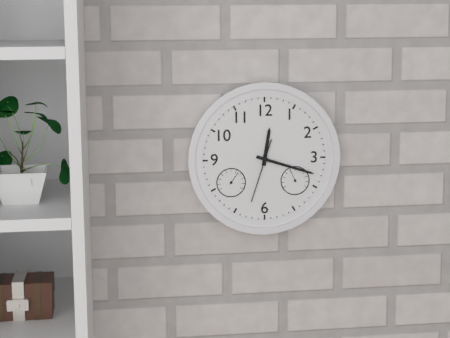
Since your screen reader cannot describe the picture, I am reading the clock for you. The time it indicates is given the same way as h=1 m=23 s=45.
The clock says h=12 m=18 s=33
